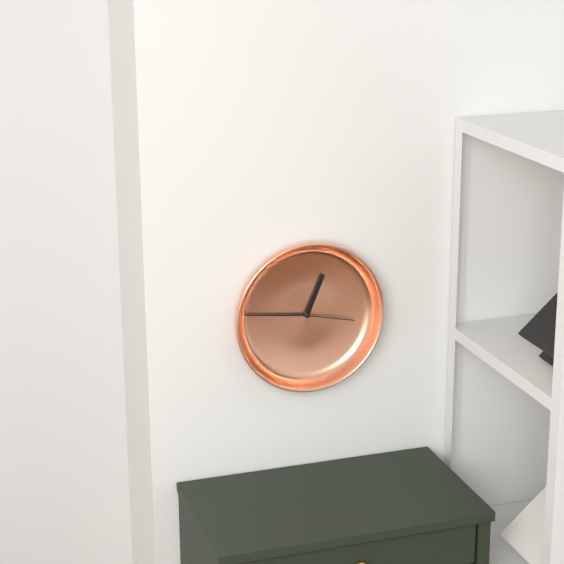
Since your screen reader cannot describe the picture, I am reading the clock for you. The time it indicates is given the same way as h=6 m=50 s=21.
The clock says h=12 m=46 s=17
